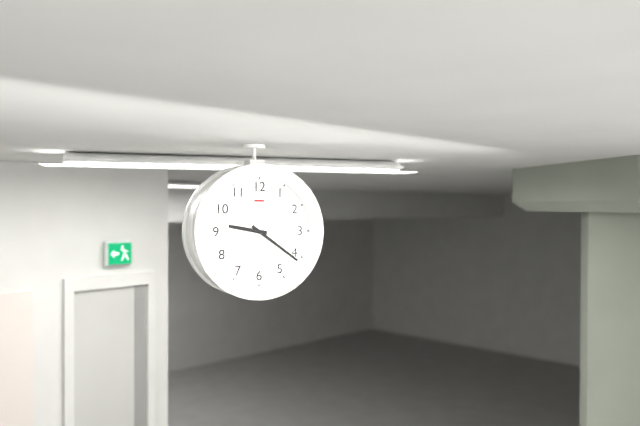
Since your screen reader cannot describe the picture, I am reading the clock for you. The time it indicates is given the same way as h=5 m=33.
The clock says h=9 m=21
